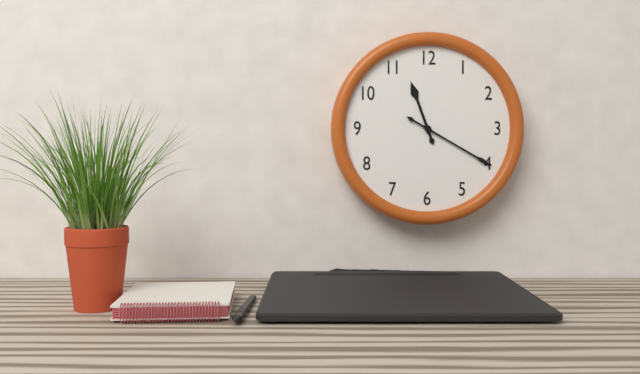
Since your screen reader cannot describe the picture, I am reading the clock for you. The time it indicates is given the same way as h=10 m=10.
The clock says h=11 m=20
